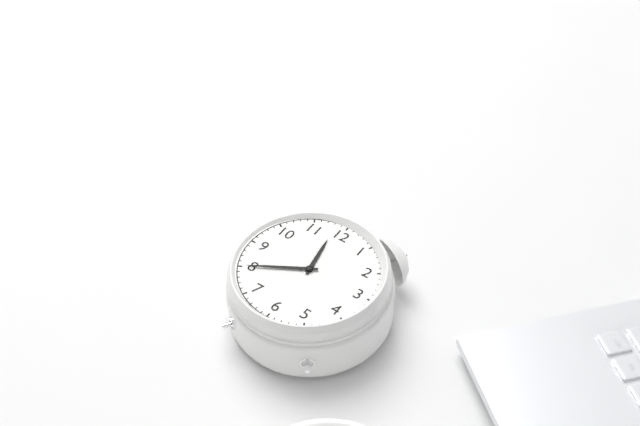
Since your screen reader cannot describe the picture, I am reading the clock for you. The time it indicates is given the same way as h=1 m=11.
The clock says h=11 m=40
